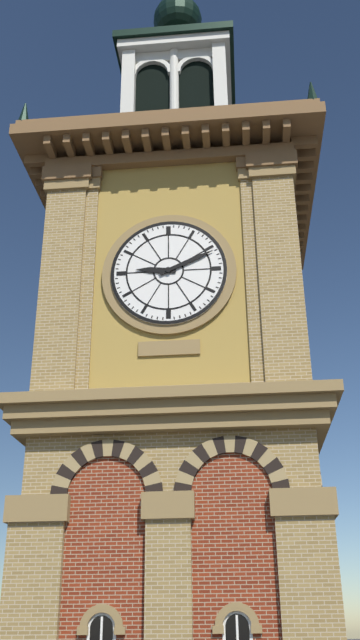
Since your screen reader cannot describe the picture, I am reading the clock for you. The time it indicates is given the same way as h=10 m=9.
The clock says h=9 m=11
